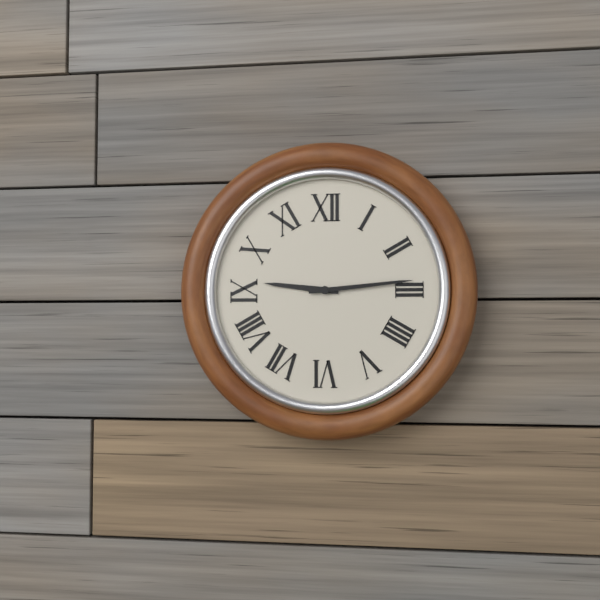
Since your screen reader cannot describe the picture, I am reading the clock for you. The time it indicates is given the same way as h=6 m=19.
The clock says h=9 m=14
